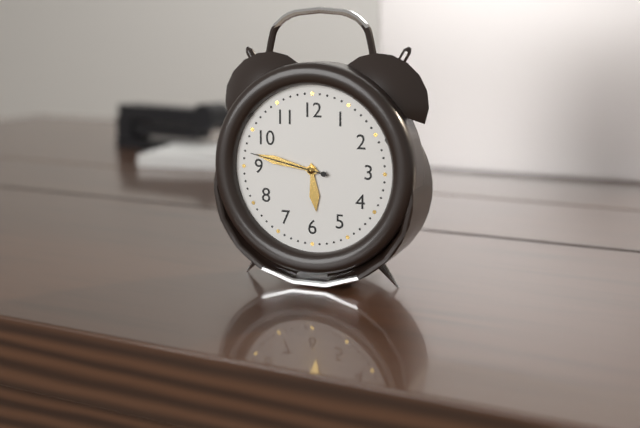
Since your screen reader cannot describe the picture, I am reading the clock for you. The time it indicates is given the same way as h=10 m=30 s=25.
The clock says h=5 m=47 s=47
